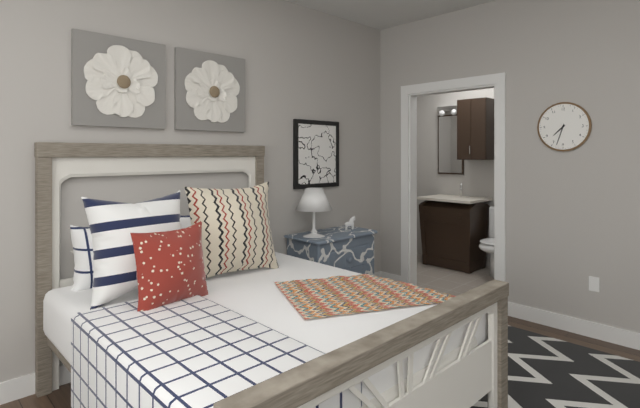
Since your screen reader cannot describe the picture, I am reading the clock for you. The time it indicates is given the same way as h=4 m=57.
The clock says h=7 m=33
